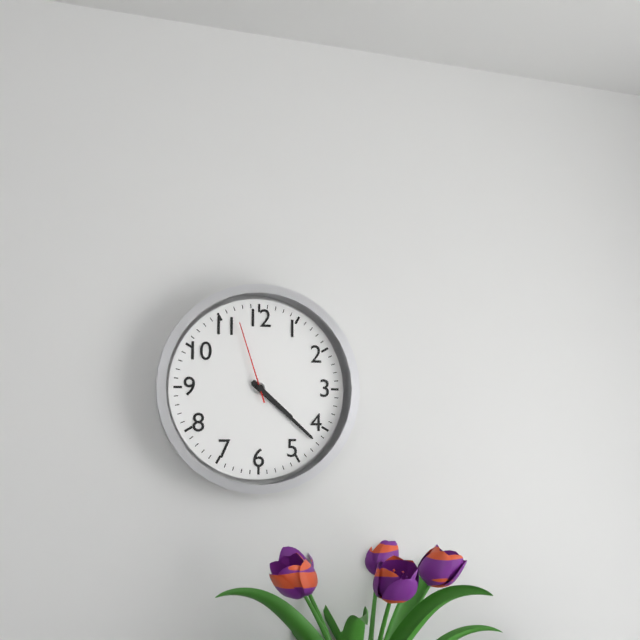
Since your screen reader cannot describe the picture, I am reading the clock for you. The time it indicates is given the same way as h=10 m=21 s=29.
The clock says h=4 m=22 s=57
